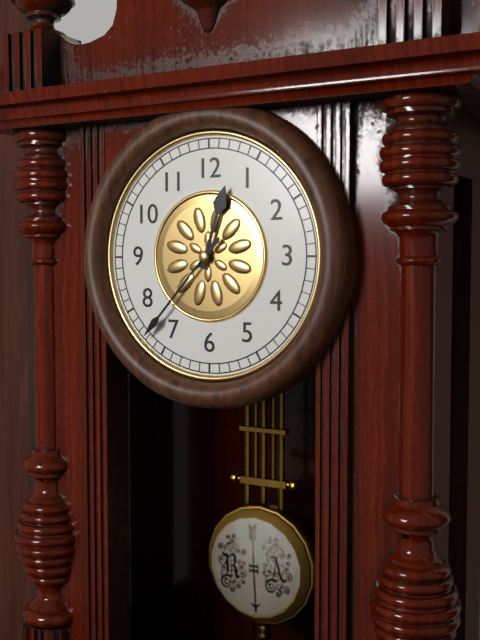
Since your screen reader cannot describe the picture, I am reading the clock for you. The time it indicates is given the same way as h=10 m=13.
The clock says h=12 m=37
